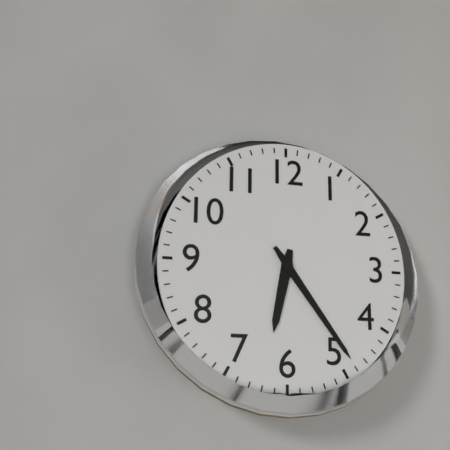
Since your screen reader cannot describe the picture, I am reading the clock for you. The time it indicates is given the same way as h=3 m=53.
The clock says h=6 m=24
